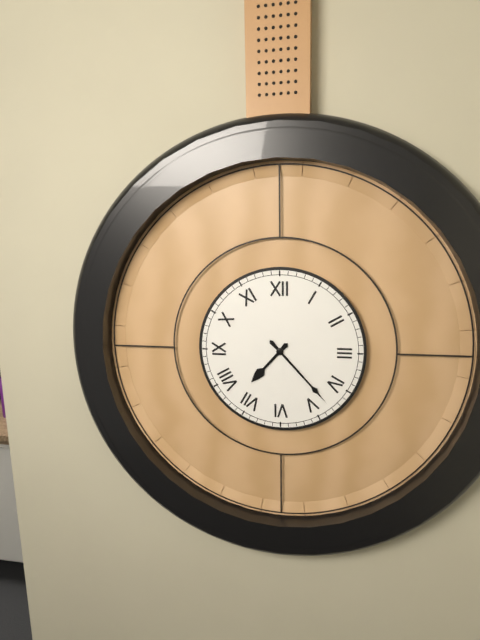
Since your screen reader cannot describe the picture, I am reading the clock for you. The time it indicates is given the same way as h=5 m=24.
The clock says h=7 m=23
